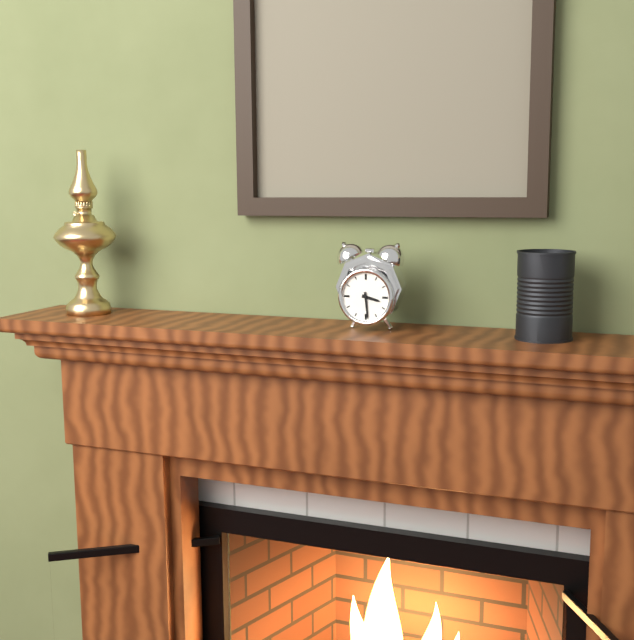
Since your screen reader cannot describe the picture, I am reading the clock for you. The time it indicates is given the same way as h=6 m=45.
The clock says h=3 m=29
